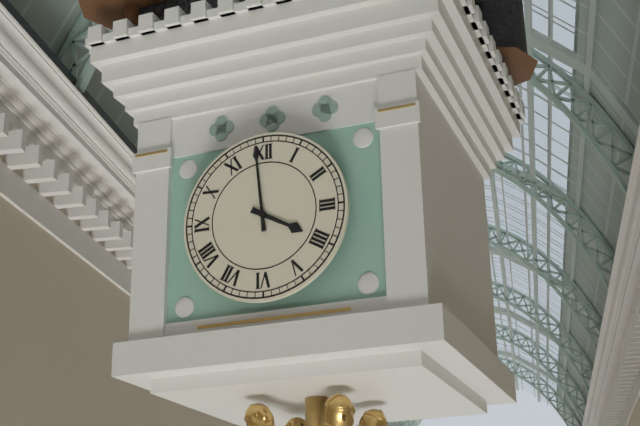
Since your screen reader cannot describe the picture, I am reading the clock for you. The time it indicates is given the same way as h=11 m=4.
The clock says h=3 m=59
